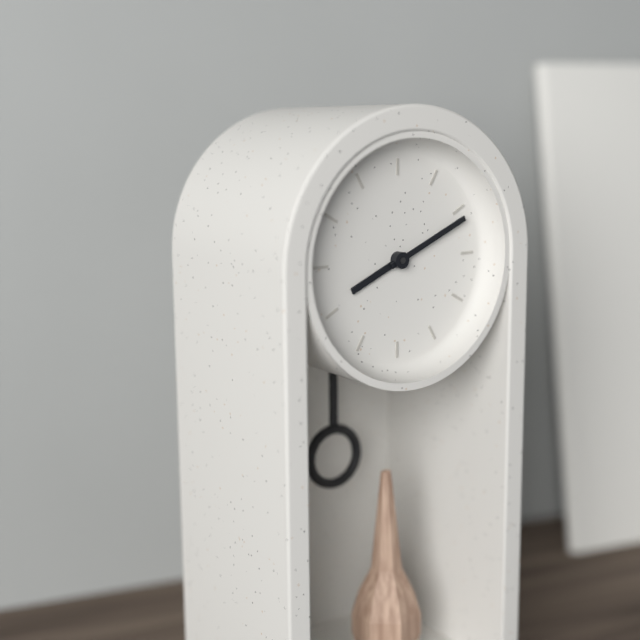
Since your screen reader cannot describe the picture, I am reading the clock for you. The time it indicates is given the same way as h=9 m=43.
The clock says h=8 m=11
